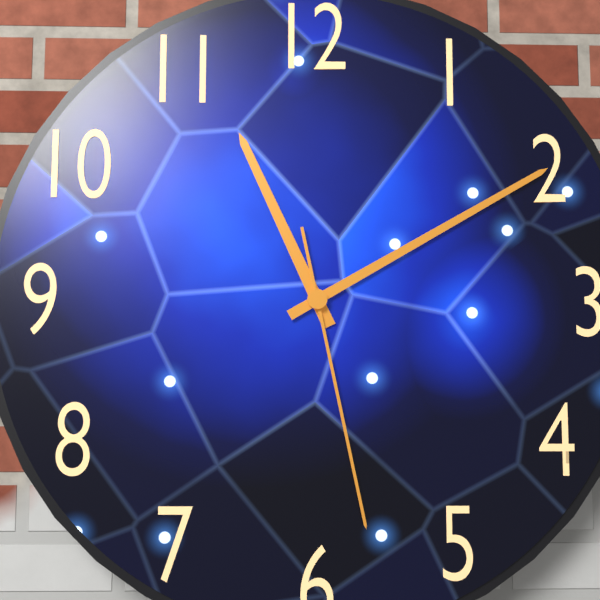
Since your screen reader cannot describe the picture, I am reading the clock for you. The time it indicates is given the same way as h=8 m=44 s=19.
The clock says h=11 m=10 s=28
